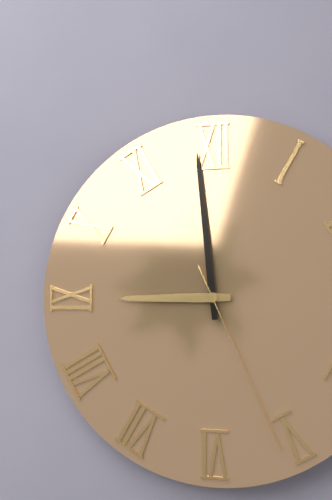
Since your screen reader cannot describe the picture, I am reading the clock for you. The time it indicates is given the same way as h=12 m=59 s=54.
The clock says h=8 m=59 s=26
